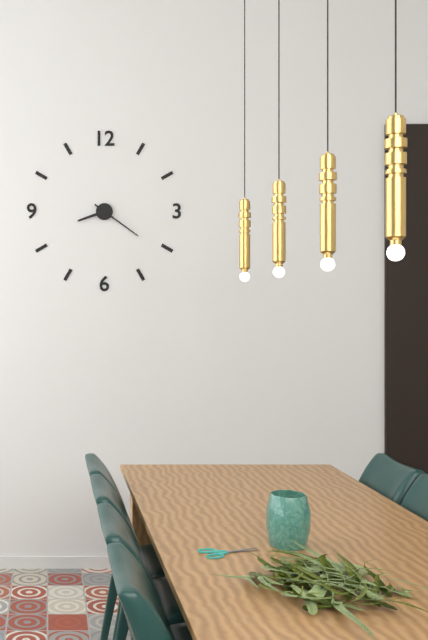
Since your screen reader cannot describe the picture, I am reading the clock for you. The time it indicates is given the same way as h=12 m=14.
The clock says h=8 m=21
